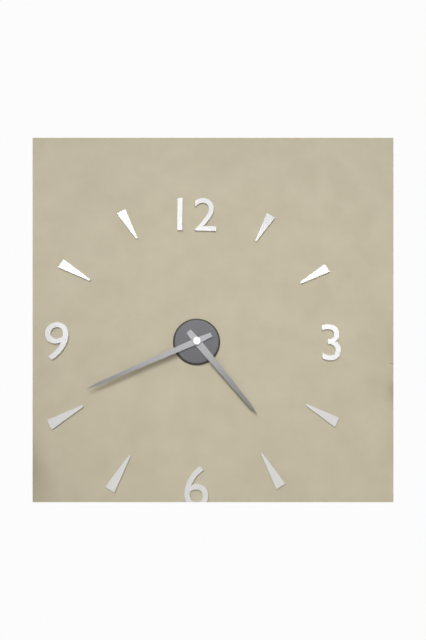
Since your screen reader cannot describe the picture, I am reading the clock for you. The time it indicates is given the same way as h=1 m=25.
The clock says h=4 m=41
